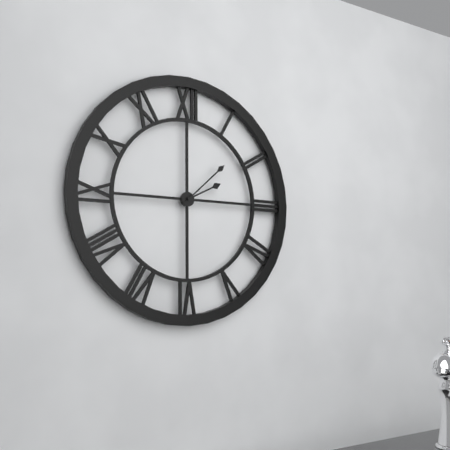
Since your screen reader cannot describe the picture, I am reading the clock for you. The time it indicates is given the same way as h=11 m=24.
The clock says h=2 m=8
